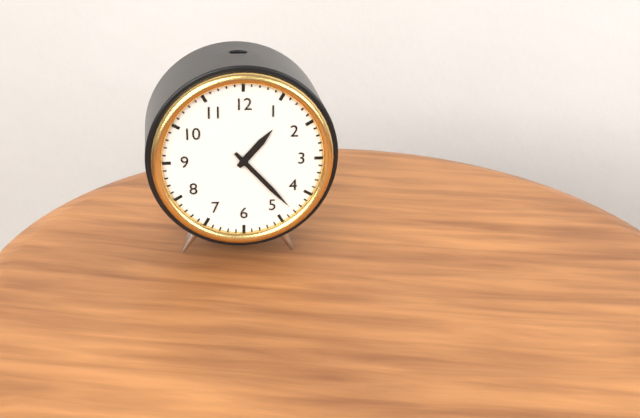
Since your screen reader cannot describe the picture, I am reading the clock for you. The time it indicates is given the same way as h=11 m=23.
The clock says h=1 m=23
